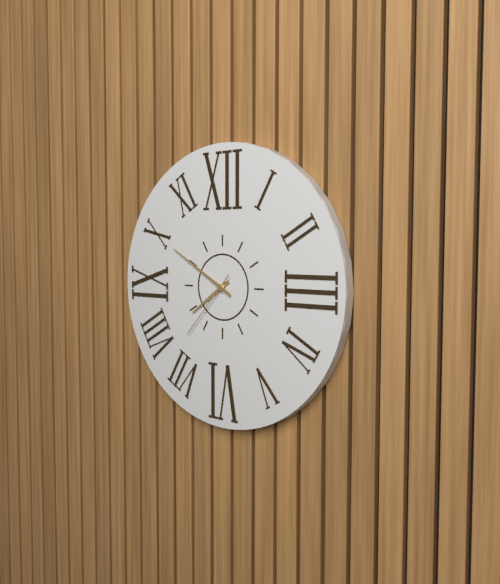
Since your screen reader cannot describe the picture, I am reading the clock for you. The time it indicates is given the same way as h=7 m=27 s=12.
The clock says h=7 m=50 s=37
